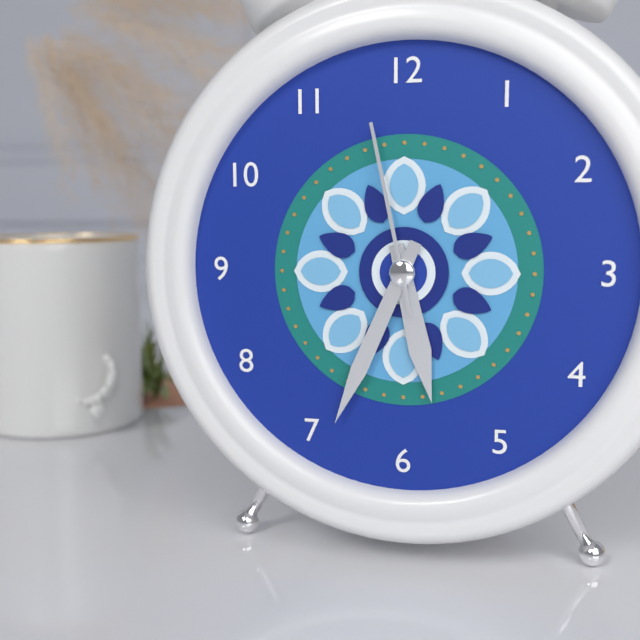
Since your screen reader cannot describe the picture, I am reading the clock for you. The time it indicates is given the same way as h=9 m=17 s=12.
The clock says h=5 m=34 s=58
